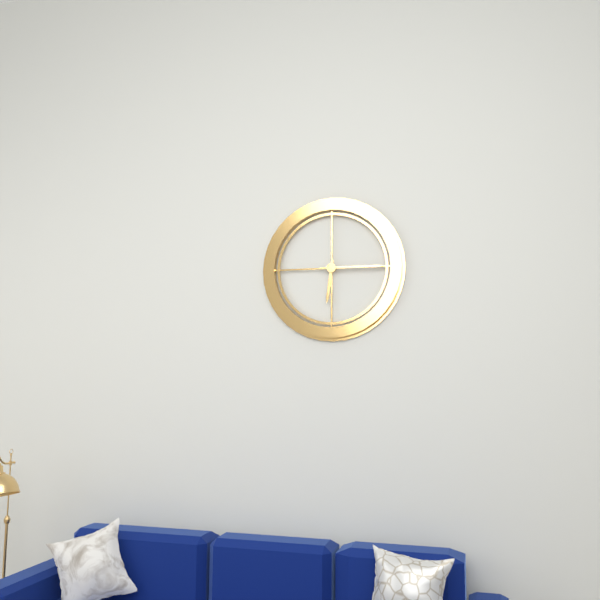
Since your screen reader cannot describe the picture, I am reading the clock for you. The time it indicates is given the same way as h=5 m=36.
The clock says h=6 m=15
